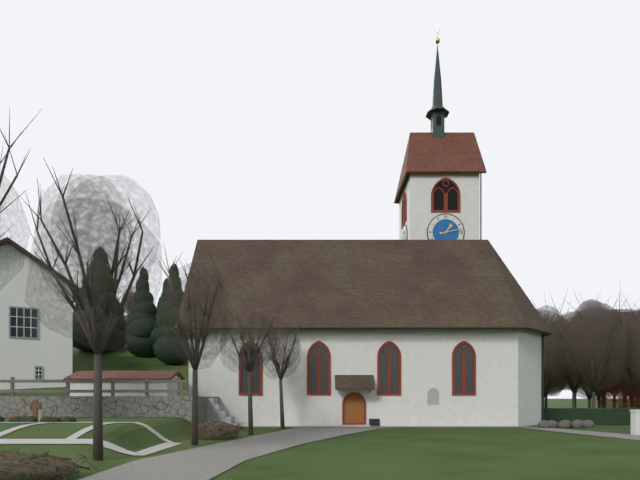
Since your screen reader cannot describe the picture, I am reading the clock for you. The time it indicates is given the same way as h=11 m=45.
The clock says h=1 m=13
